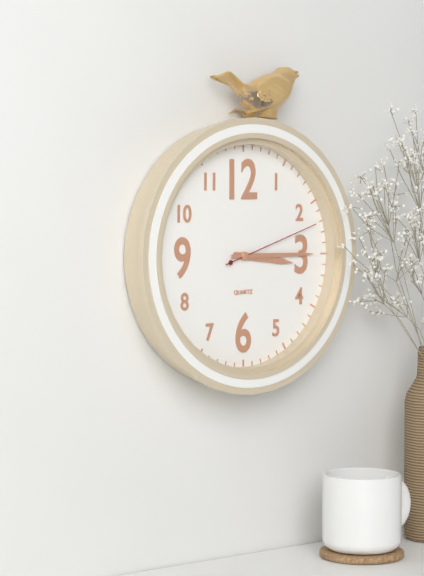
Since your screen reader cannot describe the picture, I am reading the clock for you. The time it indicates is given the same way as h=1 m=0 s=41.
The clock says h=3 m=15 s=12
